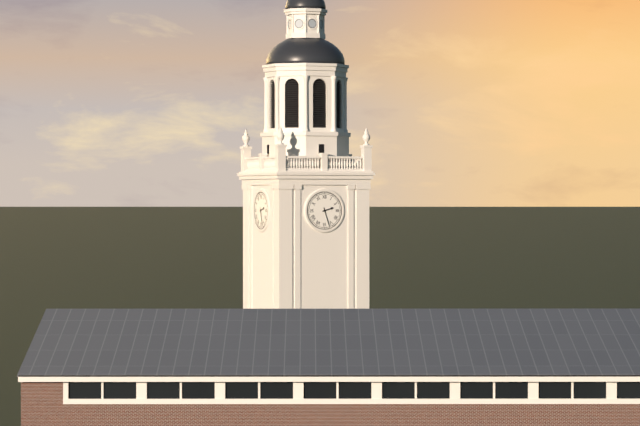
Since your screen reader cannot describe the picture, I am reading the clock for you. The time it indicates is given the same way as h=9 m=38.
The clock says h=2 m=27
